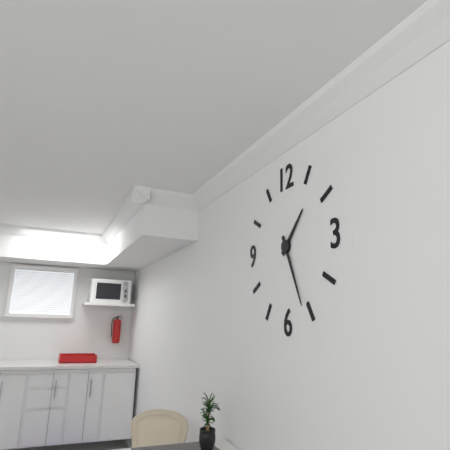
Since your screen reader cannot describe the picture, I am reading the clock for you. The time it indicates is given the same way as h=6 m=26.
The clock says h=1 m=26
